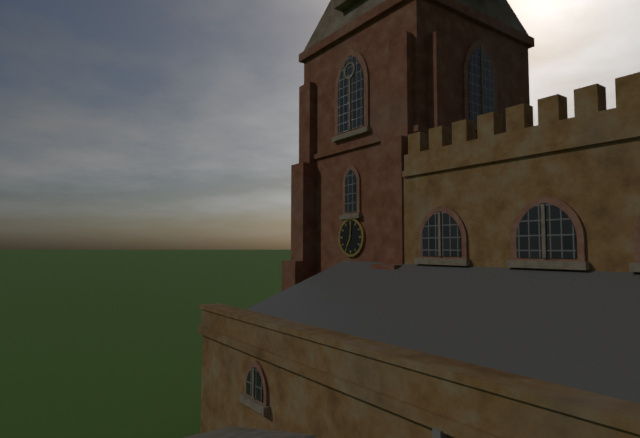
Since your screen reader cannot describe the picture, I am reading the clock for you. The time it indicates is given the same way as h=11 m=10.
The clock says h=7 m=1
